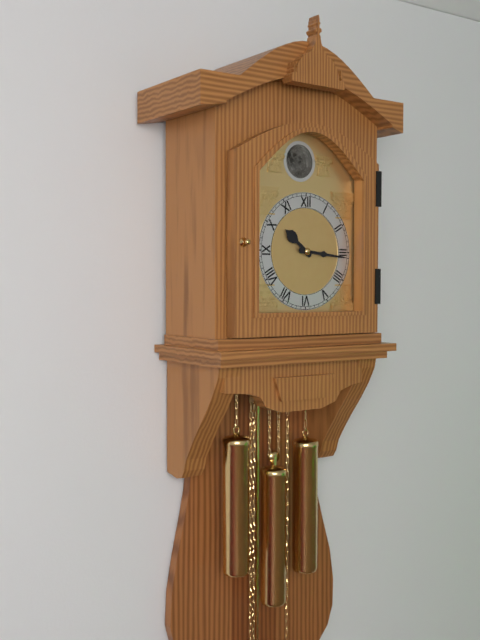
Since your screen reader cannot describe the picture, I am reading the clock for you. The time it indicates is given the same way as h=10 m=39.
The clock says h=10 m=16
